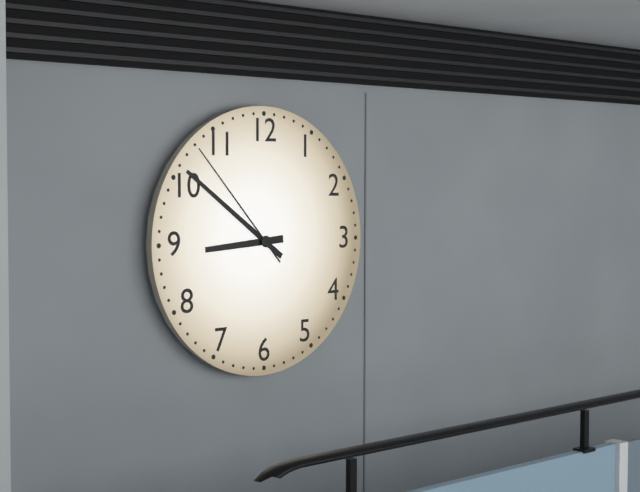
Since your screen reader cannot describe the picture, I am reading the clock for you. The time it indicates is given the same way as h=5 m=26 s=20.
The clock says h=8 m=51 s=53
